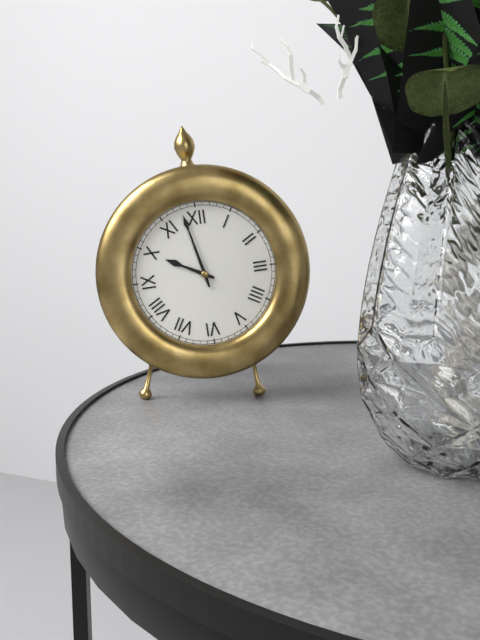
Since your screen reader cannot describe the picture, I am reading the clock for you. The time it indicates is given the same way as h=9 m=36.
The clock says h=9 m=58
